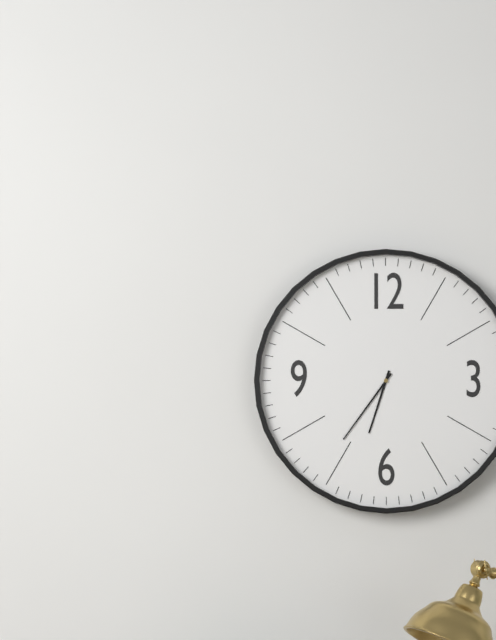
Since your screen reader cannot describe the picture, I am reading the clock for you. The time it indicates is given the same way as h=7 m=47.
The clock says h=6 m=36
